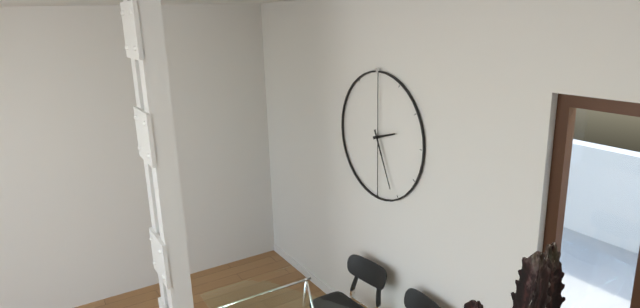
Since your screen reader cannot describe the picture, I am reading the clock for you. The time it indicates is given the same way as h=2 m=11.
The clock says h=2 m=26
